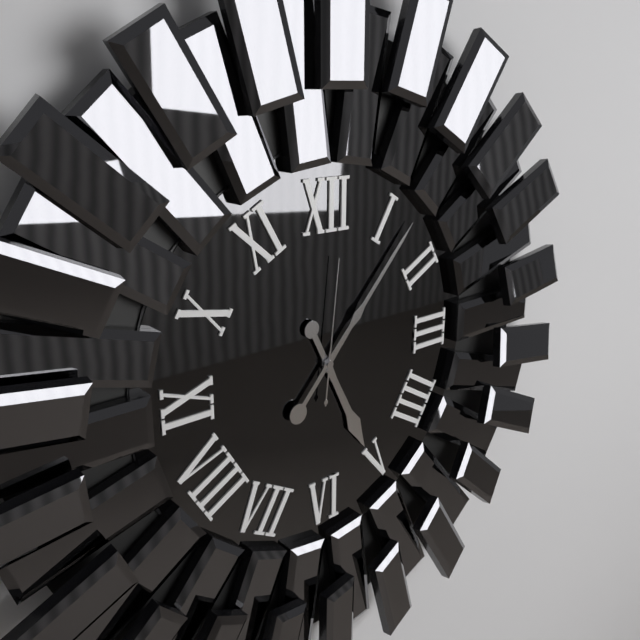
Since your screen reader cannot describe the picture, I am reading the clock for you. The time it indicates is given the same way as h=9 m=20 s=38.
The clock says h=5 m=7 s=1
